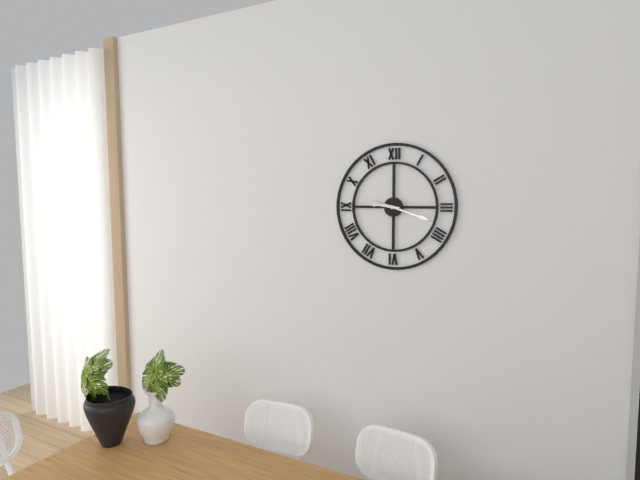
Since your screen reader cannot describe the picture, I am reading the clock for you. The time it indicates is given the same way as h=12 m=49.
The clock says h=9 m=18
